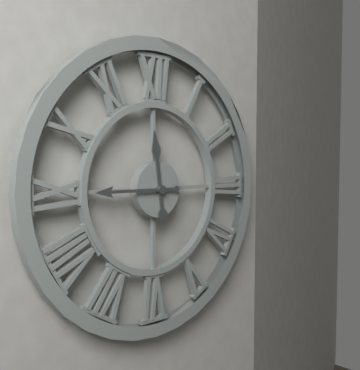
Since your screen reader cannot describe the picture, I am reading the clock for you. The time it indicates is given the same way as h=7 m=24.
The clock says h=11 m=45
